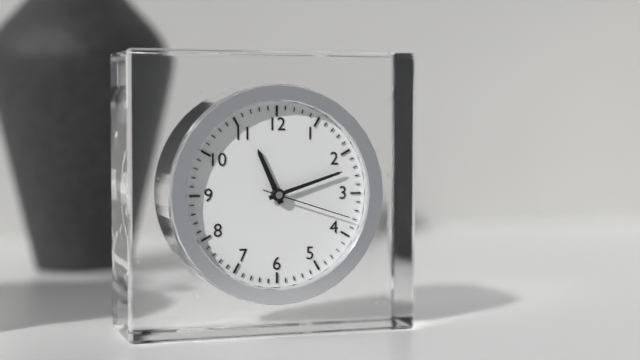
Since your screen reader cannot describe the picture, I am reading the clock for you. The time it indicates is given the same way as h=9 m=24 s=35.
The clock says h=11 m=12 s=18
